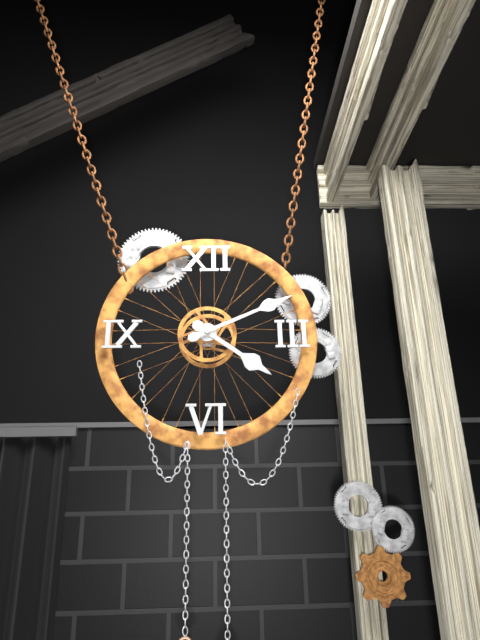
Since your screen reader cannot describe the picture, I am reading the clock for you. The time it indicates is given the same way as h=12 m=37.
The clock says h=4 m=11
